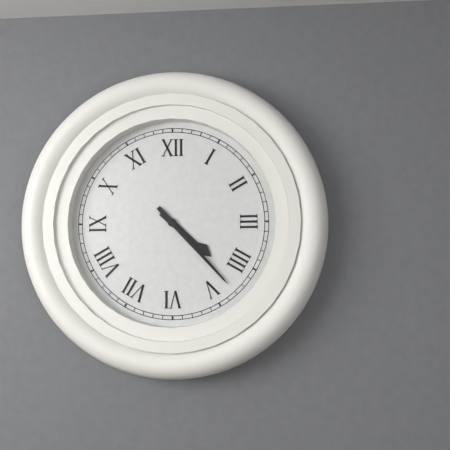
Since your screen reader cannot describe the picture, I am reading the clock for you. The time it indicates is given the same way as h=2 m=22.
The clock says h=4 m=23
